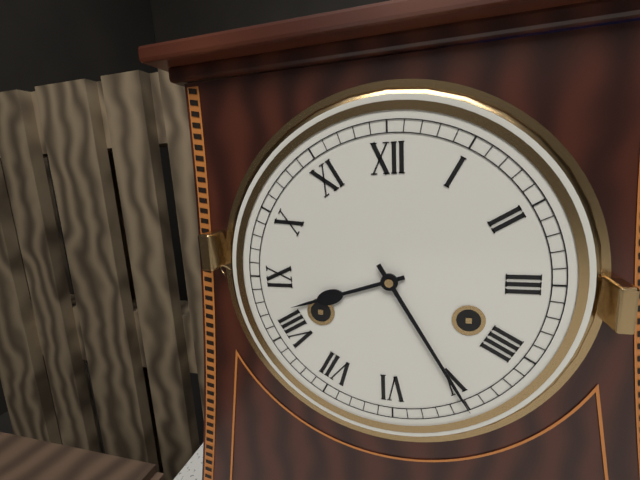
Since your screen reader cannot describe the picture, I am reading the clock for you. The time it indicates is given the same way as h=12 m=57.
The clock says h=8 m=25
